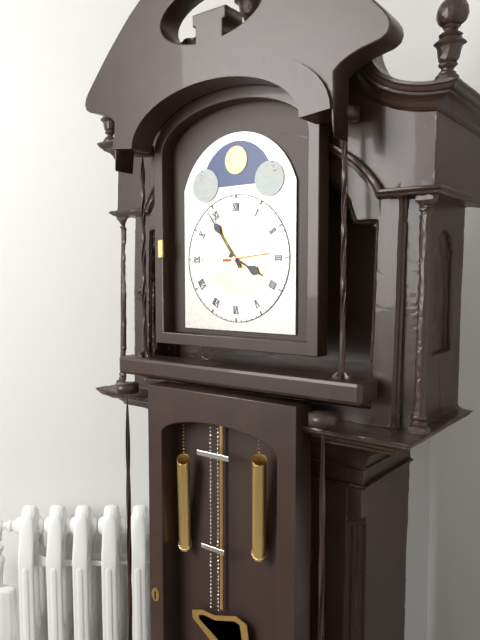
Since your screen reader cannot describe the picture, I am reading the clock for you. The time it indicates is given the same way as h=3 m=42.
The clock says h=3 m=54
